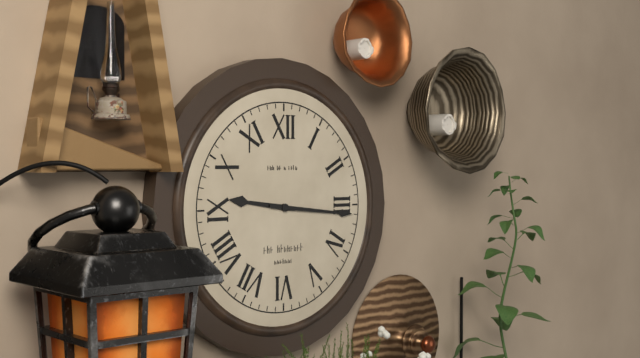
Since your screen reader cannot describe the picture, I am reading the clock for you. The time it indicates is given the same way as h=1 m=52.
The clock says h=9 m=16
